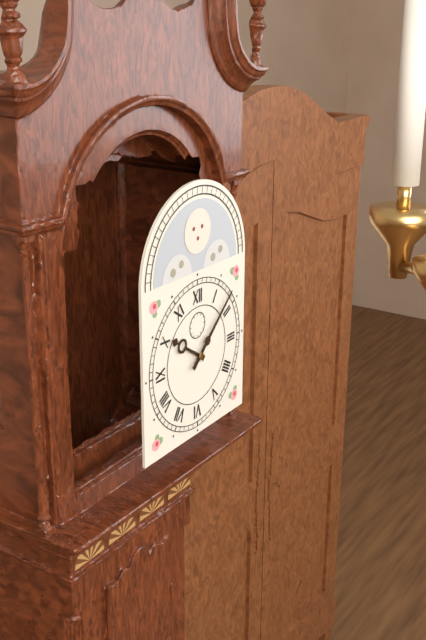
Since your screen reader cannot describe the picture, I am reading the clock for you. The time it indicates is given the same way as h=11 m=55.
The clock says h=10 m=8
